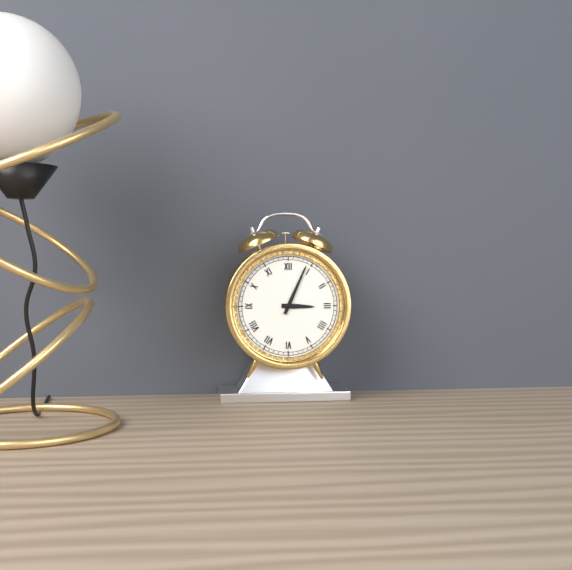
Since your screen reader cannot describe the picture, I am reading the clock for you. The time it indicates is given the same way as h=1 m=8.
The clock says h=3 m=4
